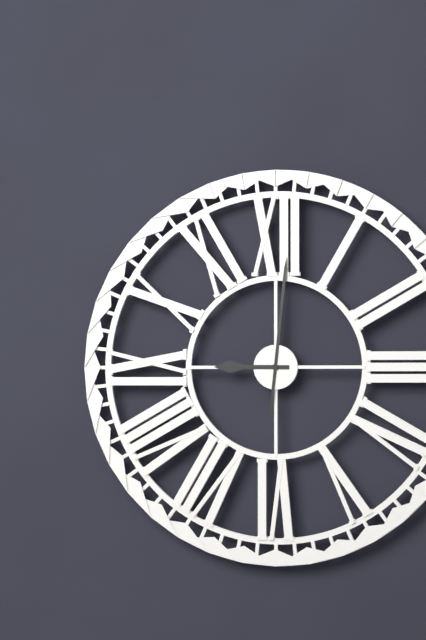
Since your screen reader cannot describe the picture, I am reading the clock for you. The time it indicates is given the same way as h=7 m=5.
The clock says h=9 m=1
